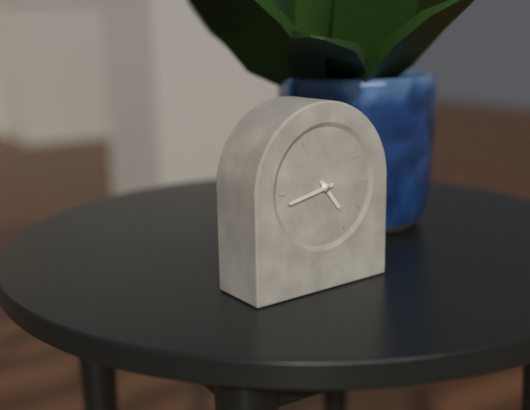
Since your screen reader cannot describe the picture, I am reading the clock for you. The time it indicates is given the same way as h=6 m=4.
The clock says h=4 m=43
